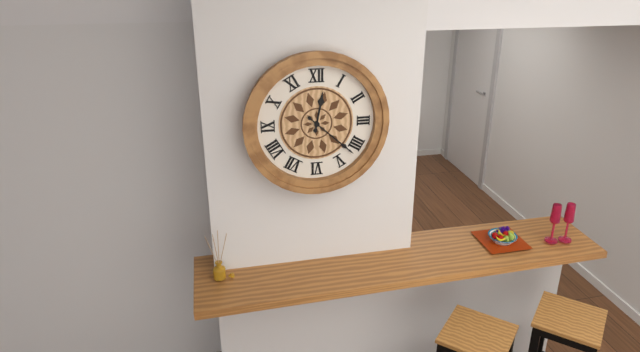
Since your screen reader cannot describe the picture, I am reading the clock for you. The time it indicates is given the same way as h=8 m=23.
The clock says h=12 m=22
